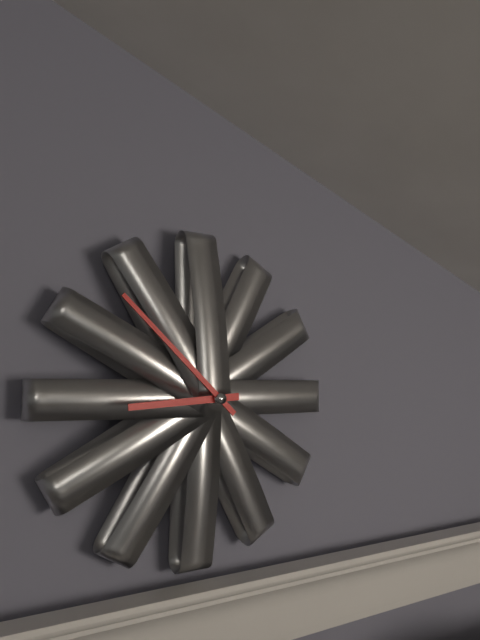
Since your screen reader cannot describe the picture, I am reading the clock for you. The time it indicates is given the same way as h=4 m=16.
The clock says h=8 m=52
